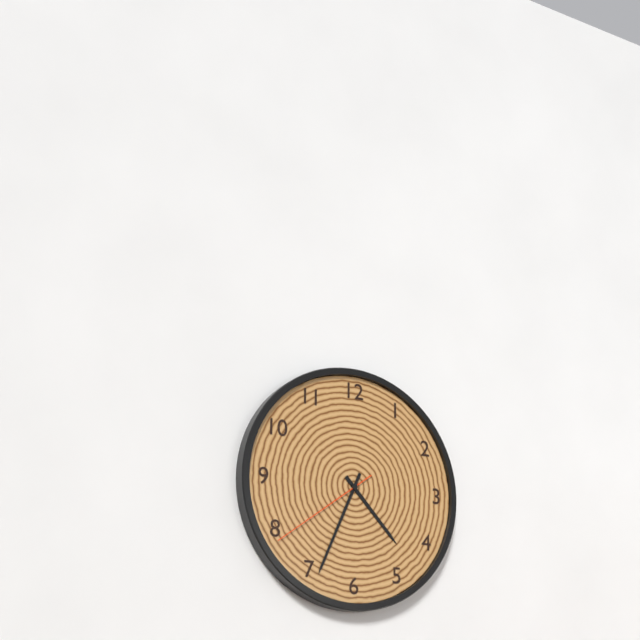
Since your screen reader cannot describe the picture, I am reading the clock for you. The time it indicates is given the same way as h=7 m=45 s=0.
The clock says h=4 m=34 s=39
